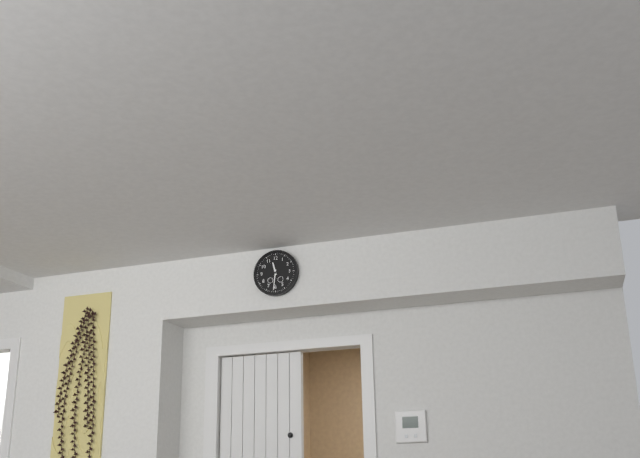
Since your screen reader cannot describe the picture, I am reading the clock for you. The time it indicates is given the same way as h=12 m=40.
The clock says h=11 m=31
